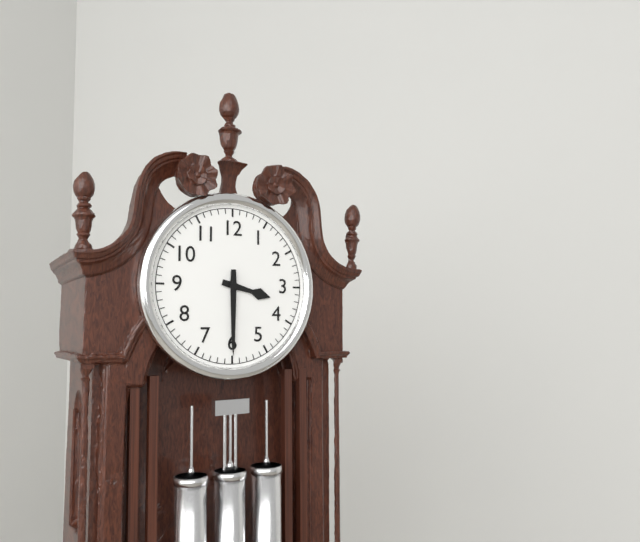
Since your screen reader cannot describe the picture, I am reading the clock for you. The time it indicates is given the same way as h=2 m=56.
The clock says h=3 m=30
